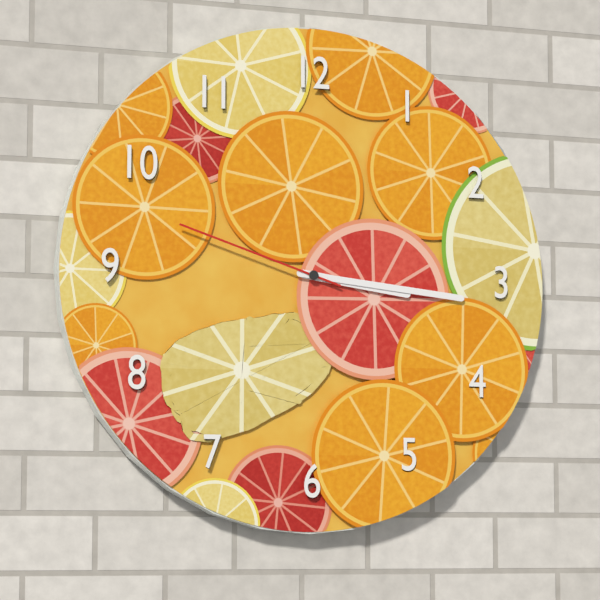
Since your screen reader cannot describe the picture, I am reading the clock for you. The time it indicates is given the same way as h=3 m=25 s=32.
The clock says h=3 m=16 s=48
